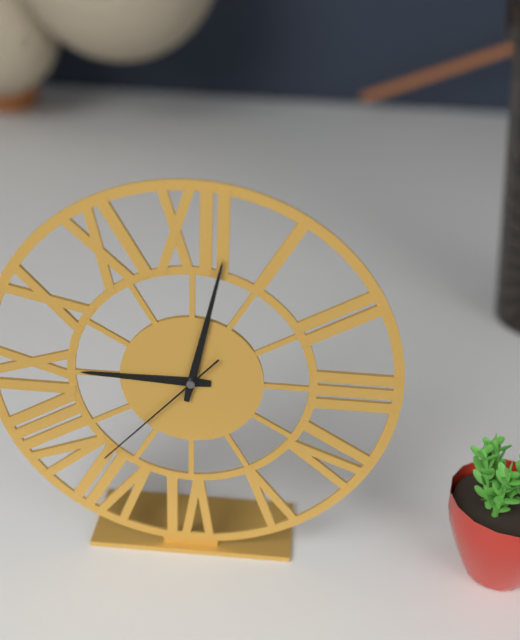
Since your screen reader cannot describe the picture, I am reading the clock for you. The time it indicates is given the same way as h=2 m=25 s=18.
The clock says h=9 m=2 s=37
